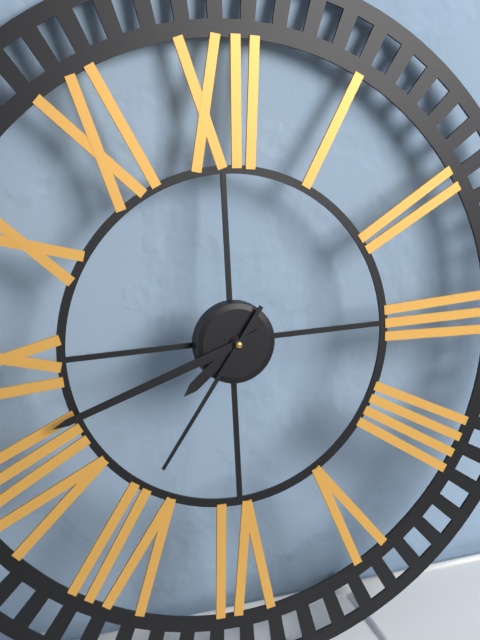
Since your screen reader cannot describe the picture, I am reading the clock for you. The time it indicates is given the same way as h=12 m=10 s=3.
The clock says h=7 m=42 s=36
